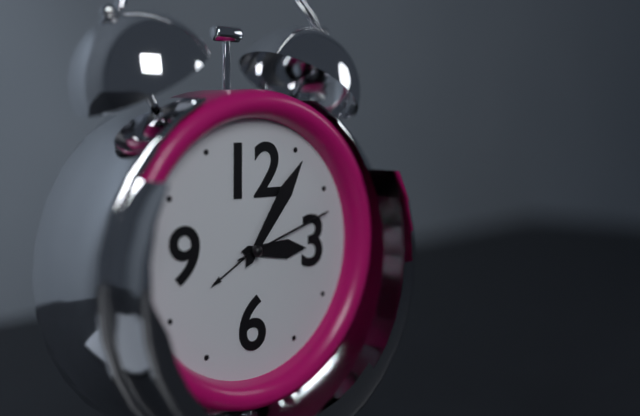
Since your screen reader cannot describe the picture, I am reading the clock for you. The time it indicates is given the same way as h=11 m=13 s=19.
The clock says h=3 m=6 s=12
